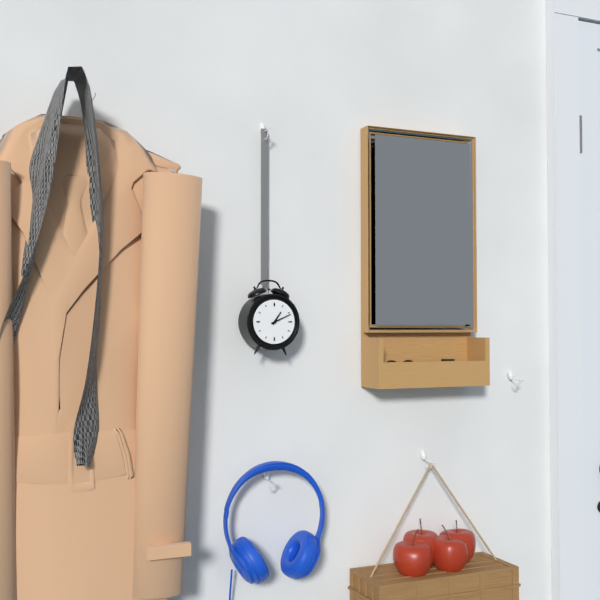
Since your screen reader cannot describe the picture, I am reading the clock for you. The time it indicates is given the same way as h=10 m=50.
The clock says h=1 m=11
